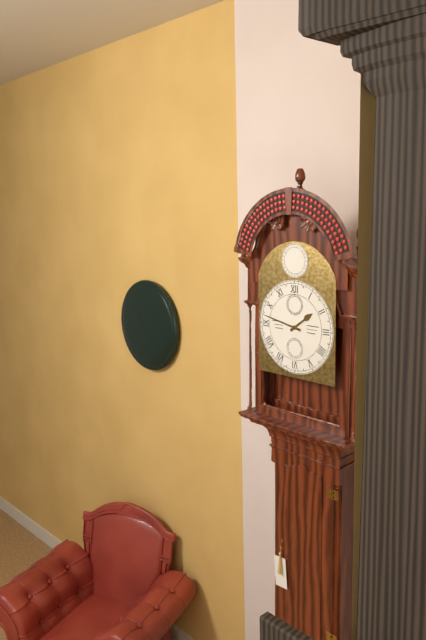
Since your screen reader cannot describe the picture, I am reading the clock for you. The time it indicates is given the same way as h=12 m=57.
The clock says h=1 m=47
